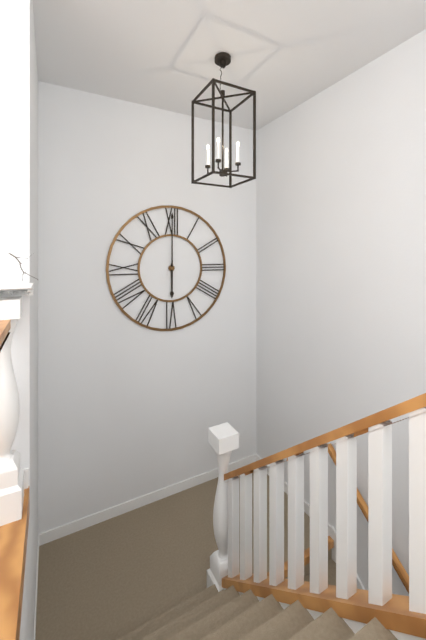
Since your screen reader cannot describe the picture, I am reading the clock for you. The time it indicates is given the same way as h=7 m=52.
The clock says h=6 m=0
